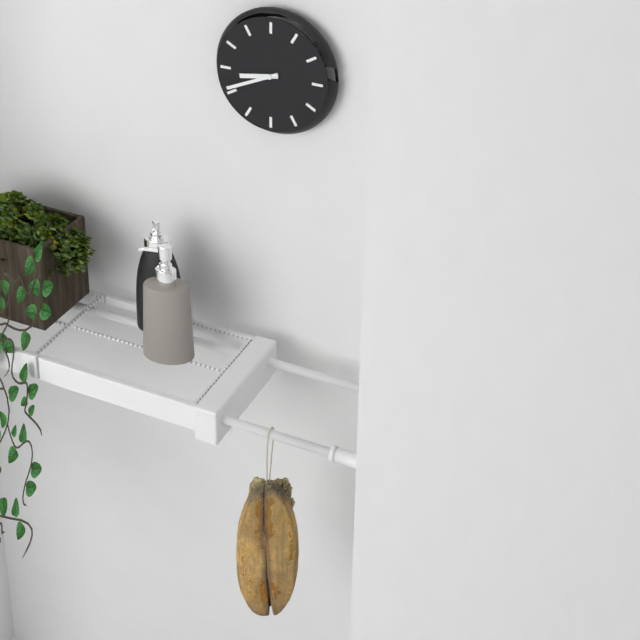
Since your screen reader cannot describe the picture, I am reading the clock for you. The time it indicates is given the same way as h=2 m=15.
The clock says h=8 m=41
